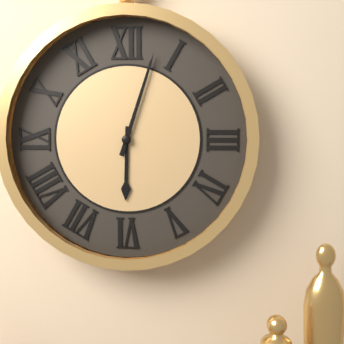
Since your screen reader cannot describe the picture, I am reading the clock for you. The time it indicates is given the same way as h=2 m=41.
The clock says h=6 m=3
